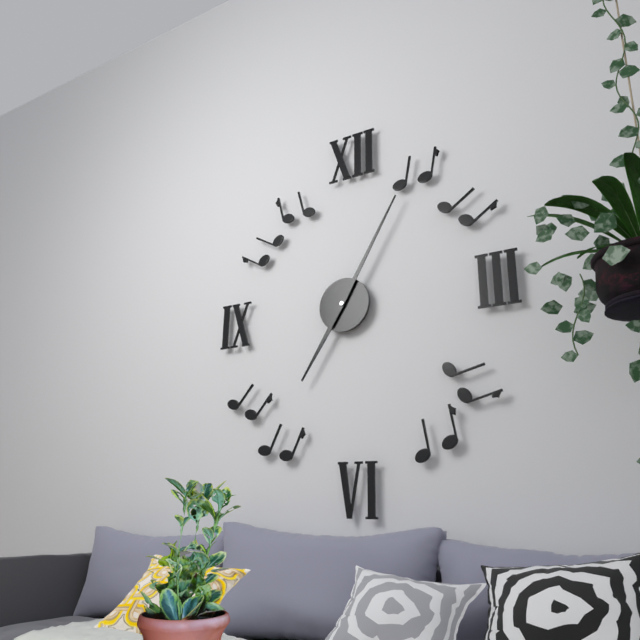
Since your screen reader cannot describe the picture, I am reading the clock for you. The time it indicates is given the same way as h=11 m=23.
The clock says h=7 m=5
